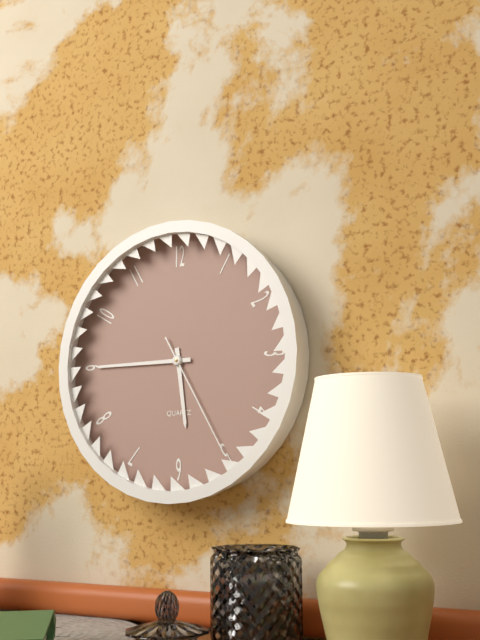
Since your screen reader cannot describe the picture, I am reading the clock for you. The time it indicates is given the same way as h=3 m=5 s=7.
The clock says h=5 m=45 s=25
